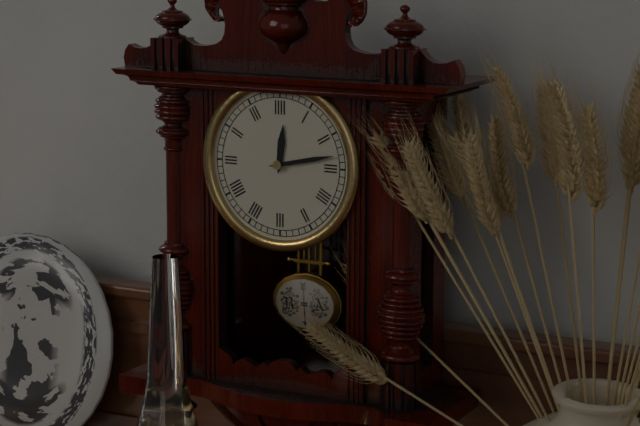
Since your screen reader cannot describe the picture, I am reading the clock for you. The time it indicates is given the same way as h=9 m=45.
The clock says h=12 m=13
